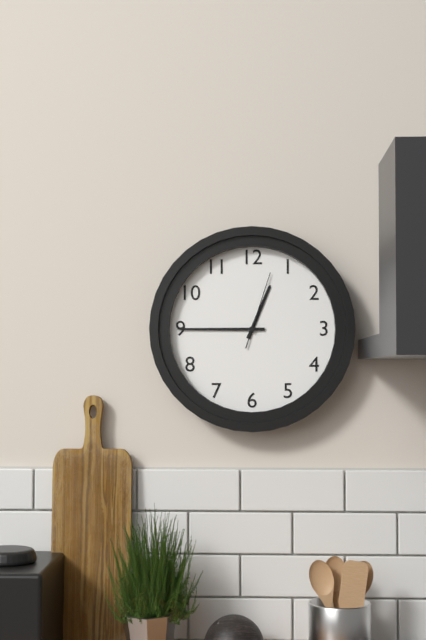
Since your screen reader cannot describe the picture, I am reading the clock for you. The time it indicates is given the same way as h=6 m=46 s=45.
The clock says h=12 m=45 s=3
